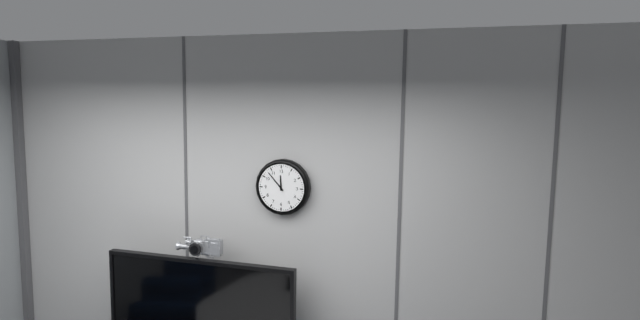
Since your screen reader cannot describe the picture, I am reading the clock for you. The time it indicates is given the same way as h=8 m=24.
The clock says h=11 m=53
